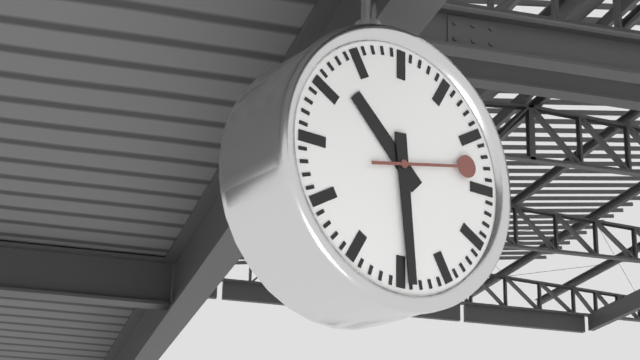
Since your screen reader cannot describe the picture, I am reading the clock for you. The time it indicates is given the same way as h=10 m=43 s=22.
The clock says h=10 m=29 s=13
